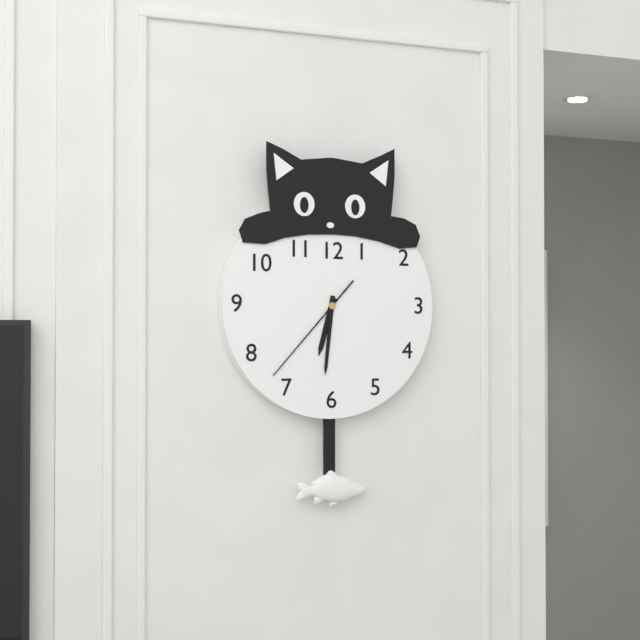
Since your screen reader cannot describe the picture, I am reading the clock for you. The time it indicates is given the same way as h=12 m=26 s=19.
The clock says h=6 m=31 s=37
